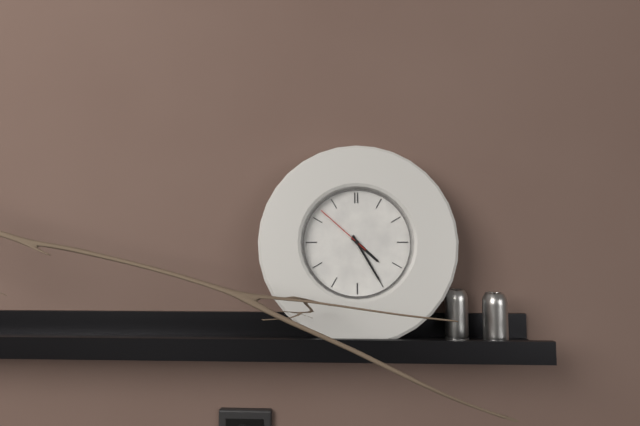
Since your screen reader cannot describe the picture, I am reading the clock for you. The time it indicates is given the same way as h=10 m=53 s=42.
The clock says h=4 m=25 s=52
